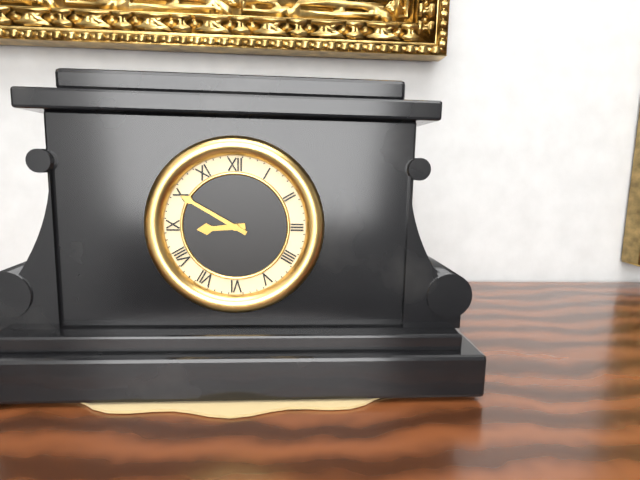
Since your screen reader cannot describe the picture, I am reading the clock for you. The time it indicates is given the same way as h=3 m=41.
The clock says h=8 m=50
